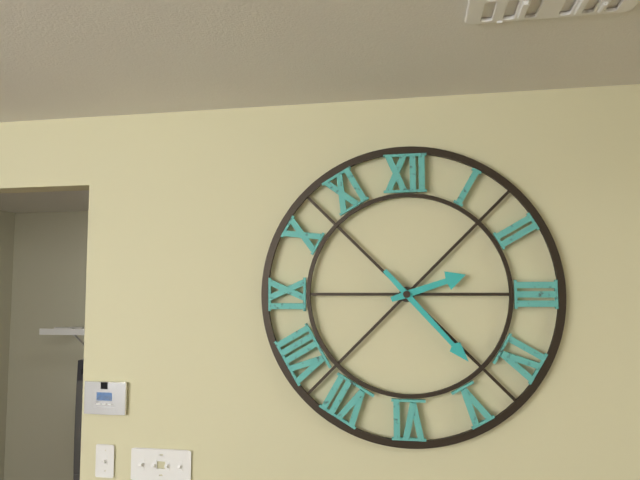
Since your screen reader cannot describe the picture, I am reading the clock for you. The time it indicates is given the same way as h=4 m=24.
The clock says h=2 m=23
